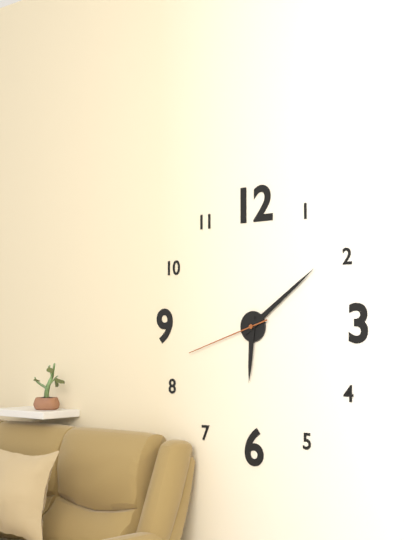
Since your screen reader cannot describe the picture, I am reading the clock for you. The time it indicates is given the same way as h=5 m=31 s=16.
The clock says h=6 m=9 s=42
